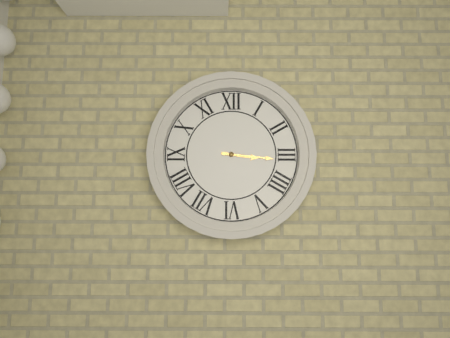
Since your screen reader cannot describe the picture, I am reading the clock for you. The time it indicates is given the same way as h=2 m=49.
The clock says h=3 m=16
